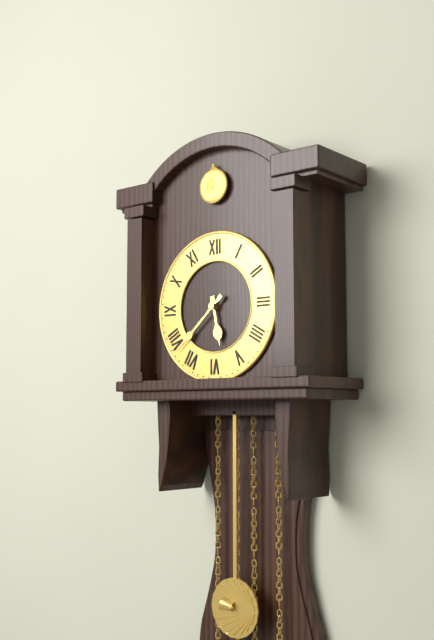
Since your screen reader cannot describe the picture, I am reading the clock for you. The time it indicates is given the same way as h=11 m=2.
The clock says h=5 m=38
